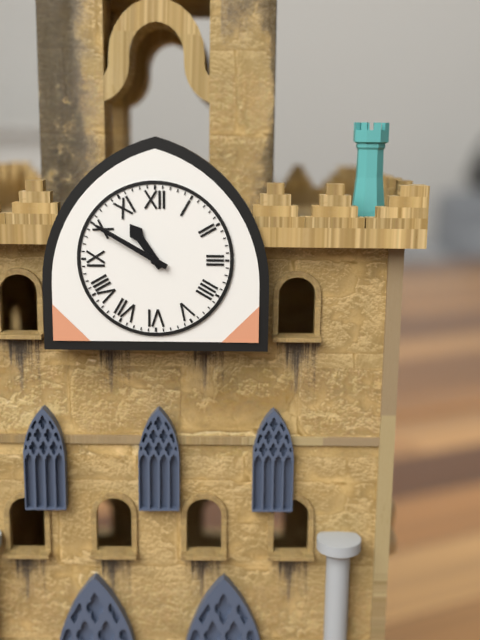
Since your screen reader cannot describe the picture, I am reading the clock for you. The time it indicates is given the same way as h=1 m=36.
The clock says h=10 m=50
